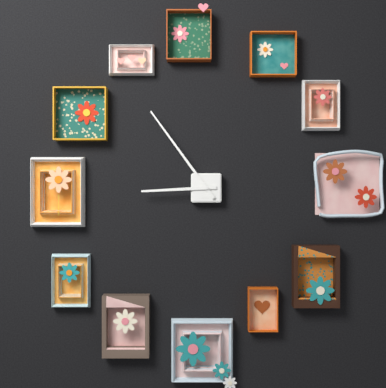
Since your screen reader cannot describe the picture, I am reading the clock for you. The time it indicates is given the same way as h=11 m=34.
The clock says h=8 m=54
